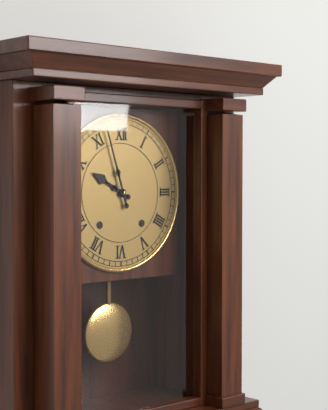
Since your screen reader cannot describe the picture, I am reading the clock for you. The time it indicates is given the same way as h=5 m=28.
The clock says h=9 m=57
